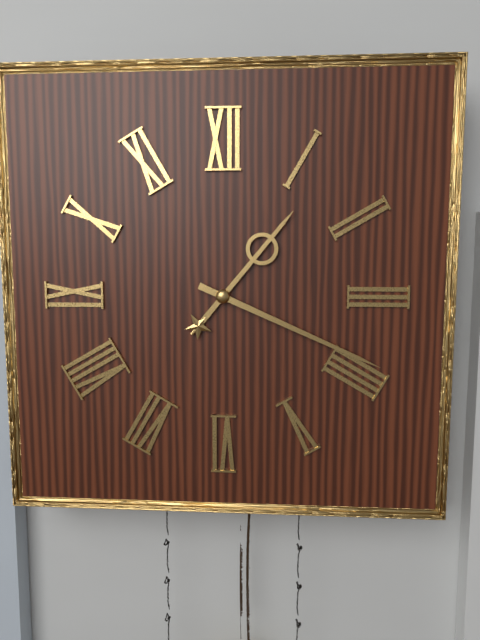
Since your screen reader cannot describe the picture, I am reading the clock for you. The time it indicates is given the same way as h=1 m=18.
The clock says h=1 m=19
